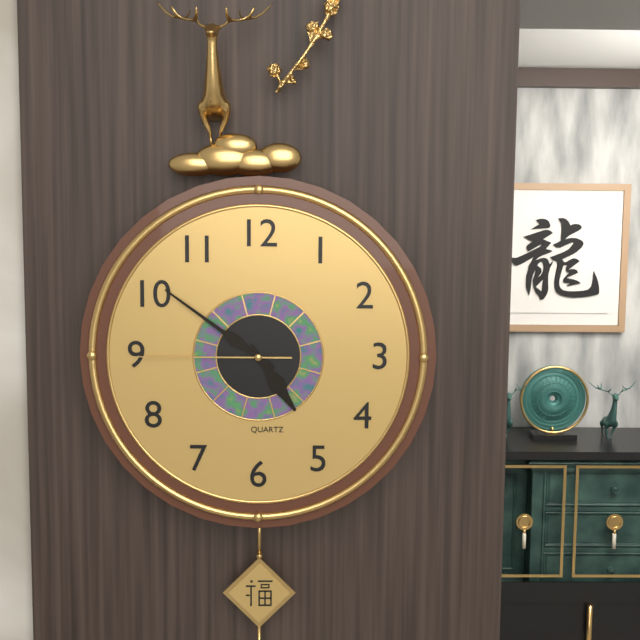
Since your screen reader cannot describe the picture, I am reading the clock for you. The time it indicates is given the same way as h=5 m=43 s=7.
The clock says h=4 m=51 s=45
